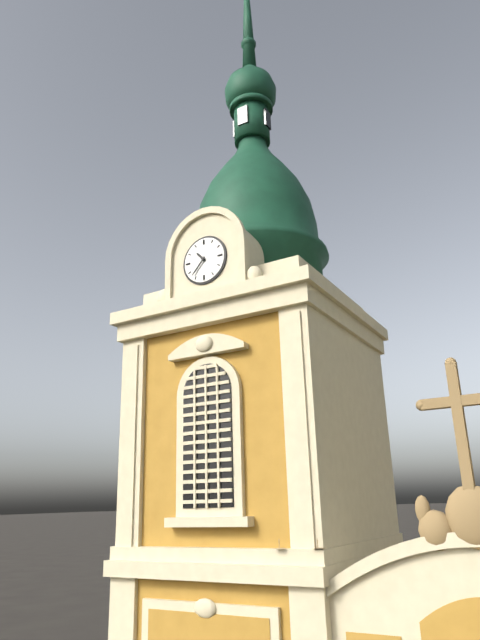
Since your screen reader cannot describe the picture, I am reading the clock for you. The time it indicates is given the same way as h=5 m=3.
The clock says h=10 m=37
